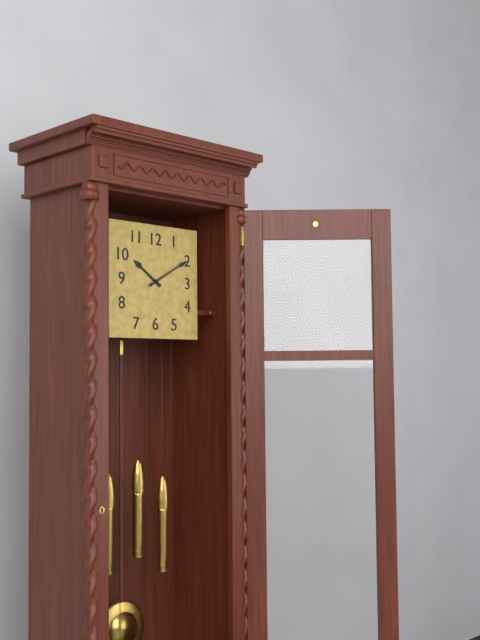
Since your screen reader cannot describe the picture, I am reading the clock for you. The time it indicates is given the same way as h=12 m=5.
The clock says h=10 m=10
